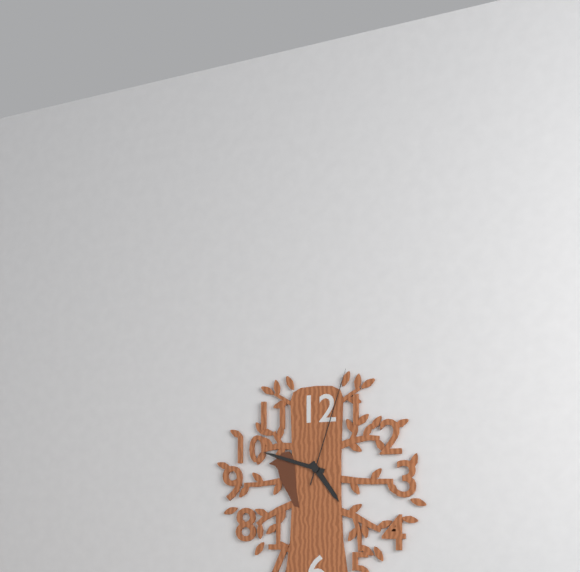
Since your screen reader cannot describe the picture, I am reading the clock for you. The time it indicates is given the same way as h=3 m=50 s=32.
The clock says h=4 m=48 s=3
